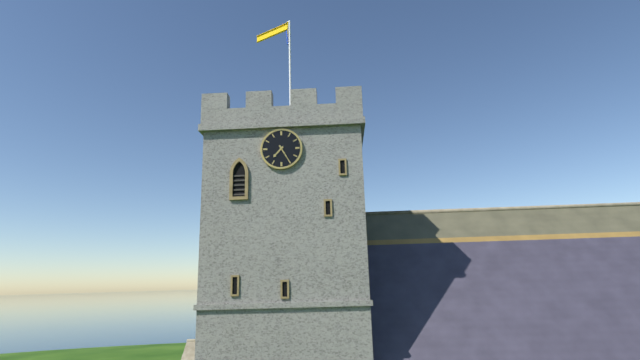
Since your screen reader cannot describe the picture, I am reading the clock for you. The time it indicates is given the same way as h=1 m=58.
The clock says h=7 m=25
